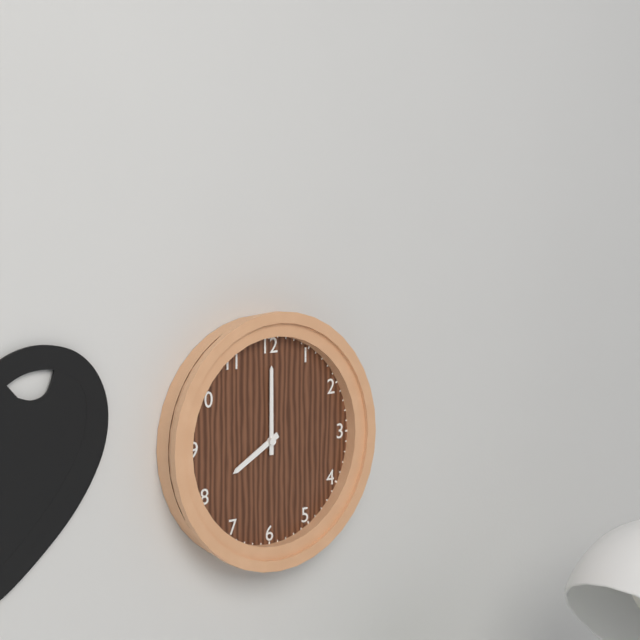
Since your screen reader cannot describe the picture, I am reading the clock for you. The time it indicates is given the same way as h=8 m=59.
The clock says h=8 m=0
